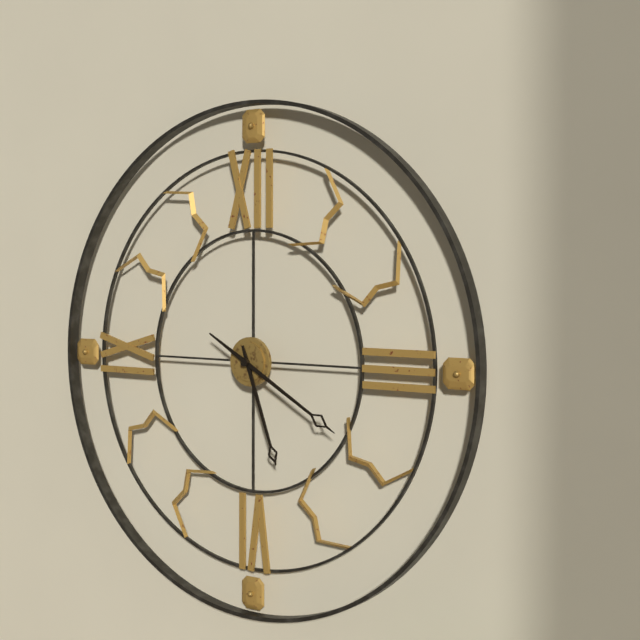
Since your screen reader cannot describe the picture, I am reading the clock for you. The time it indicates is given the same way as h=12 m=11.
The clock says h=5 m=20
